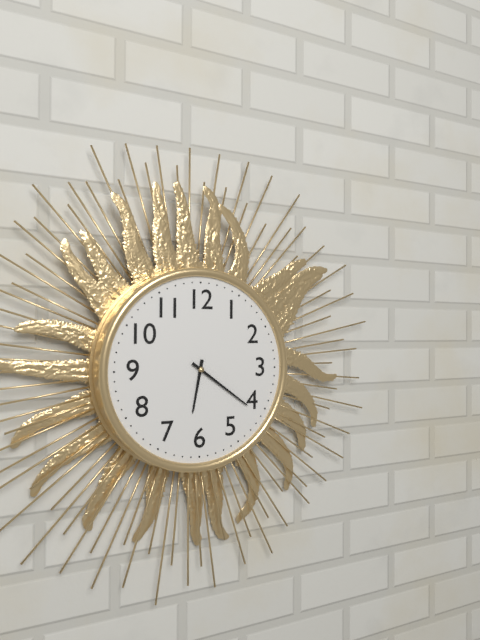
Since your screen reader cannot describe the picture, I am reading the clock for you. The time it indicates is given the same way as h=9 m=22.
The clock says h=6 m=21
